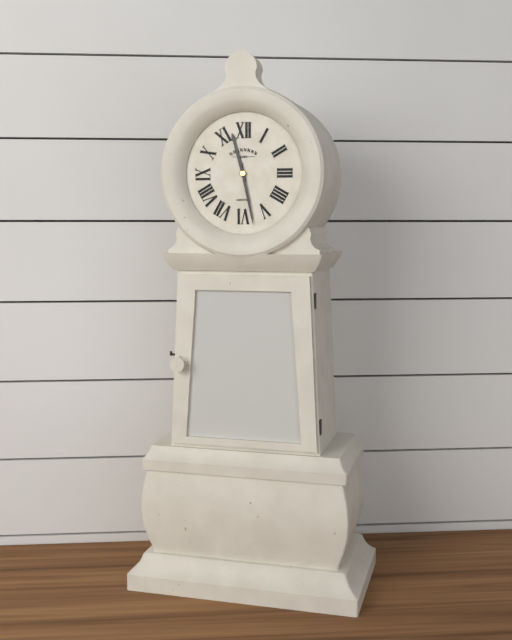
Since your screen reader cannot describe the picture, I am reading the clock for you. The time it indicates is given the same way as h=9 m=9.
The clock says h=11 m=28
